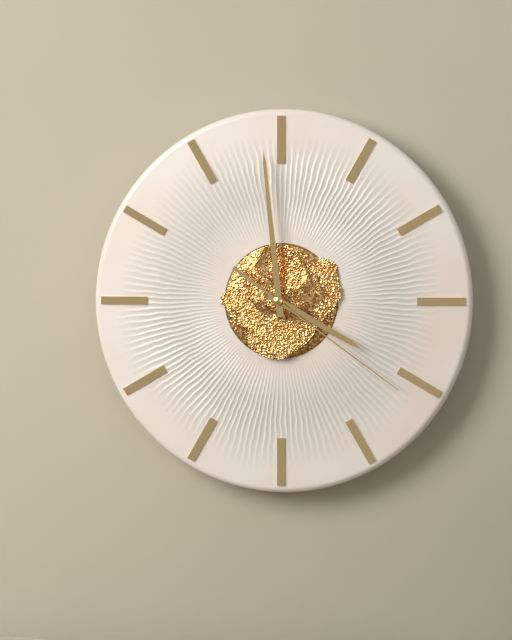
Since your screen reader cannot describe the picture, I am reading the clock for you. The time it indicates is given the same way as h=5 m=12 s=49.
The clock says h=3 m=59 s=21
